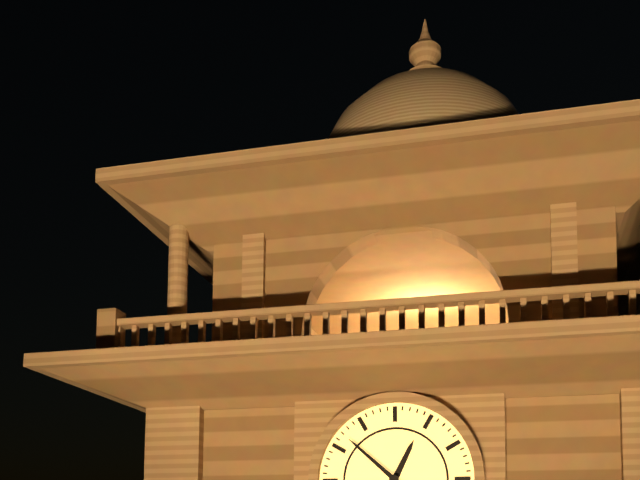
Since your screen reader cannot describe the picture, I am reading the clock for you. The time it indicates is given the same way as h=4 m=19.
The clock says h=12 m=52
